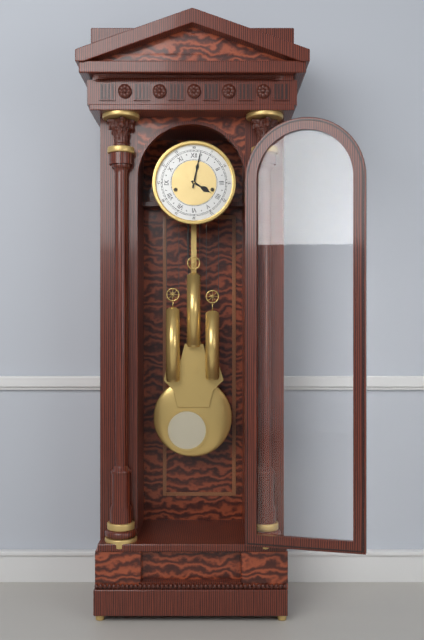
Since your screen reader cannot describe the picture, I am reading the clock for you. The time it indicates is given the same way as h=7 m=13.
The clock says h=4 m=2
